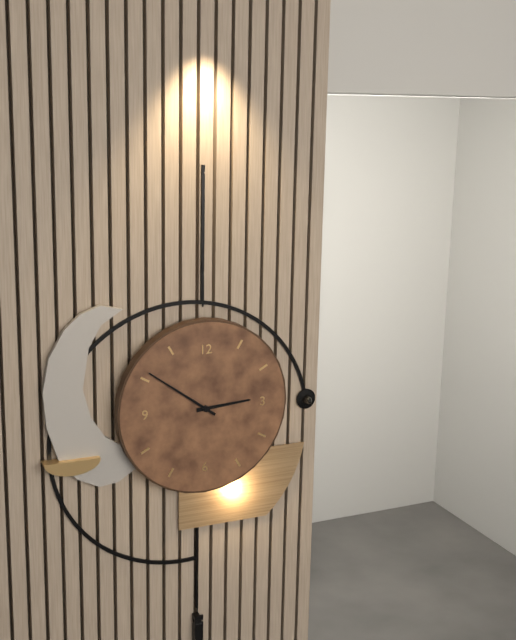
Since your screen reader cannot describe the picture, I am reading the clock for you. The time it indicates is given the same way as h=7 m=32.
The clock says h=2 m=51
